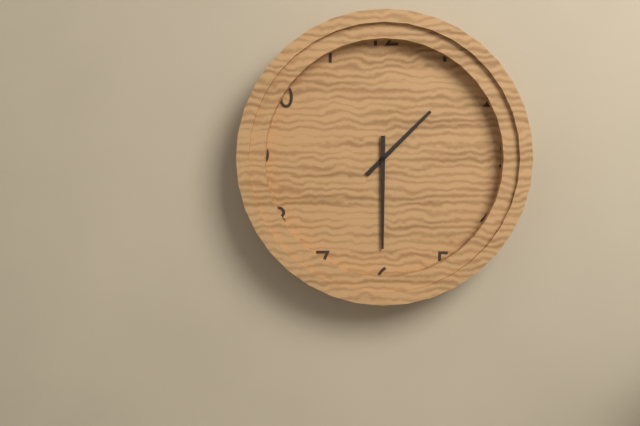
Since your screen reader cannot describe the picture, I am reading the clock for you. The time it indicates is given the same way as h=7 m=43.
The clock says h=1 m=30
